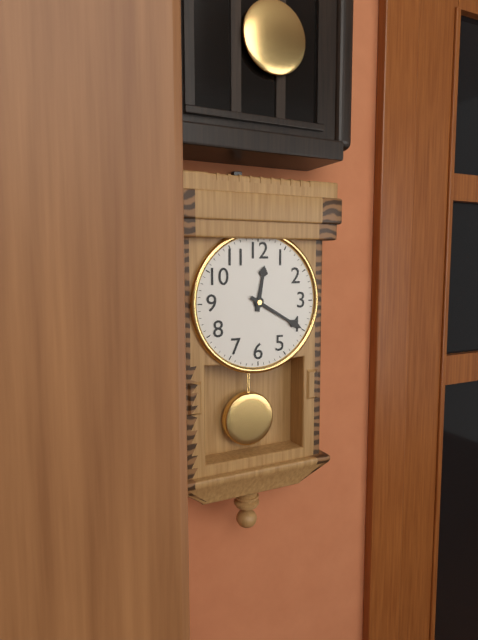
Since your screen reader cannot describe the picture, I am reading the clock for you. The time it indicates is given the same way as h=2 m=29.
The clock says h=12 m=20
